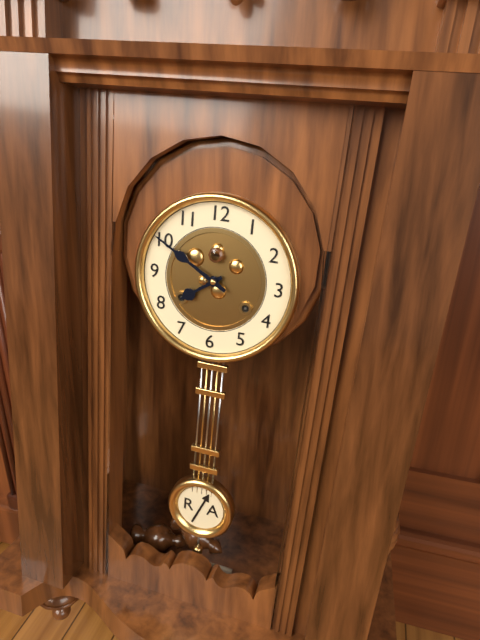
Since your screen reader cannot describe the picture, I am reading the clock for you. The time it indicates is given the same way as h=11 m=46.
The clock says h=7 m=50
